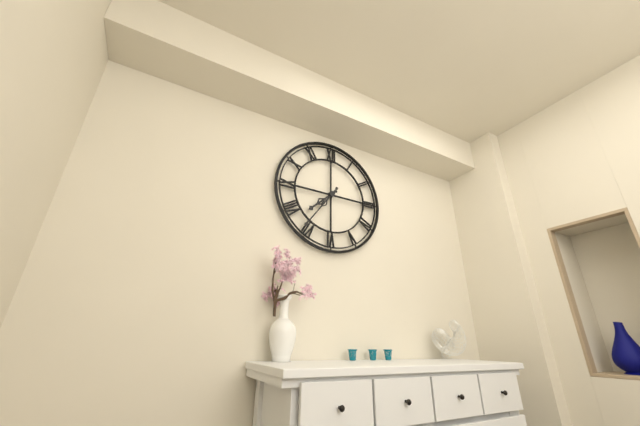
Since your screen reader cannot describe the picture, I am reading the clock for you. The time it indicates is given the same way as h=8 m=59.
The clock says h=7 m=36
